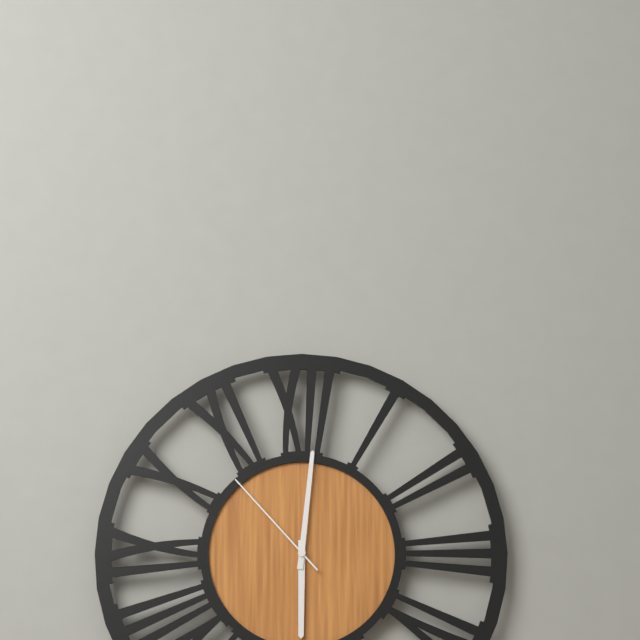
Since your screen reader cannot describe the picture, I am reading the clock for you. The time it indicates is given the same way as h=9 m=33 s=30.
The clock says h=6 m=1 s=53
